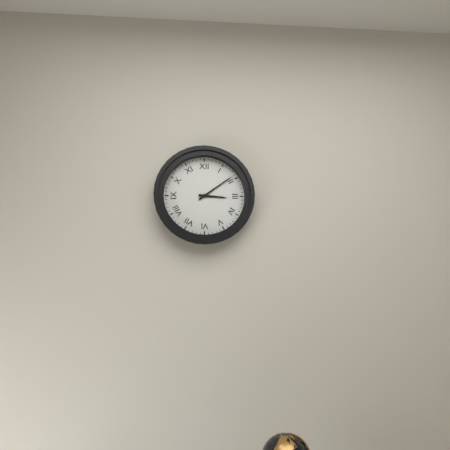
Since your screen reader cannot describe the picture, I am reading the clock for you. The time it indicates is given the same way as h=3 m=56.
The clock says h=3 m=9
